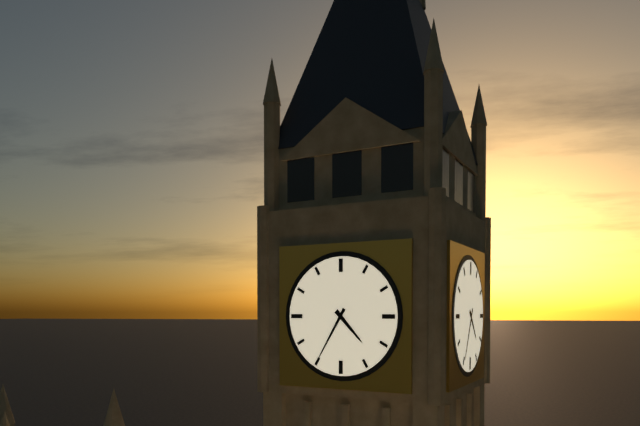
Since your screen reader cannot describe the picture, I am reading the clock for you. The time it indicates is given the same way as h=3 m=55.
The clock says h=4 m=35
